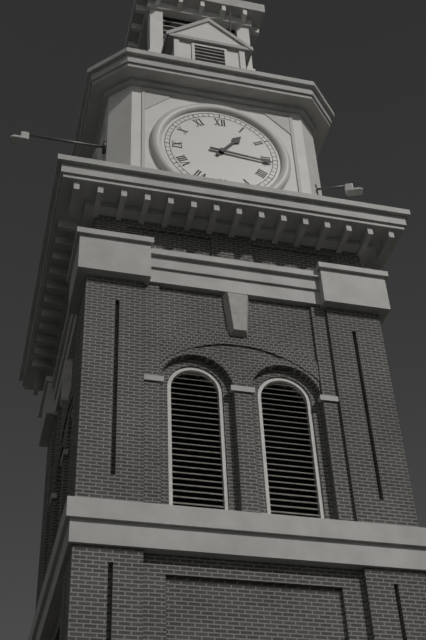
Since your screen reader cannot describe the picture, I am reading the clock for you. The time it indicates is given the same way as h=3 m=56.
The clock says h=1 m=16
